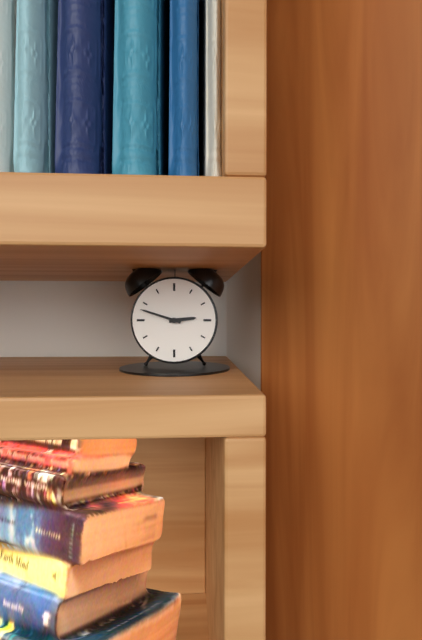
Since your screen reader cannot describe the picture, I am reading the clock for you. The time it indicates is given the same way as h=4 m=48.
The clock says h=2 m=48
